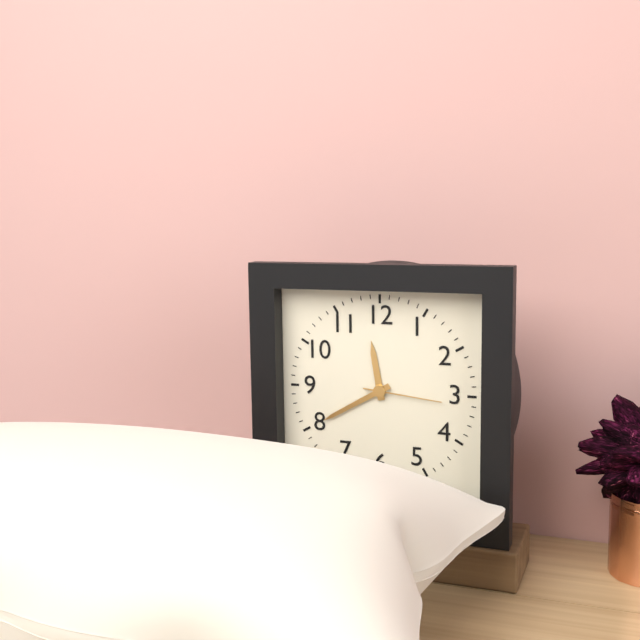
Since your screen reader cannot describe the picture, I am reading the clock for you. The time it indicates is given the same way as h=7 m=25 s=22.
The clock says h=11 m=40 s=16
